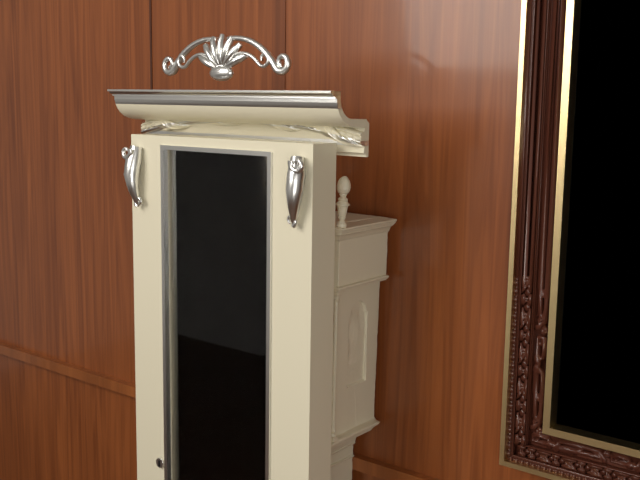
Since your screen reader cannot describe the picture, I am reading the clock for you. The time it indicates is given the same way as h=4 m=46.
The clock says h=10 m=34
